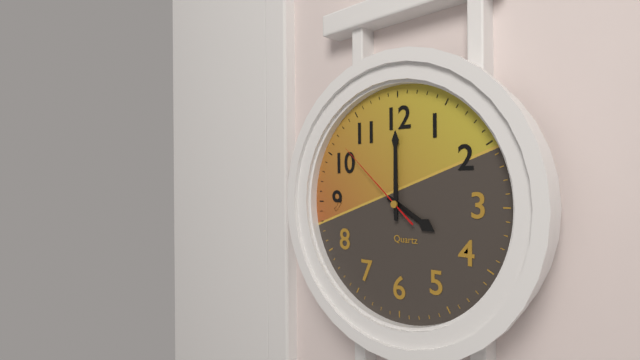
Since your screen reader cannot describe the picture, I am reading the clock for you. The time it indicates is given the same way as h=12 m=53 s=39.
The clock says h=4 m=0 s=52
